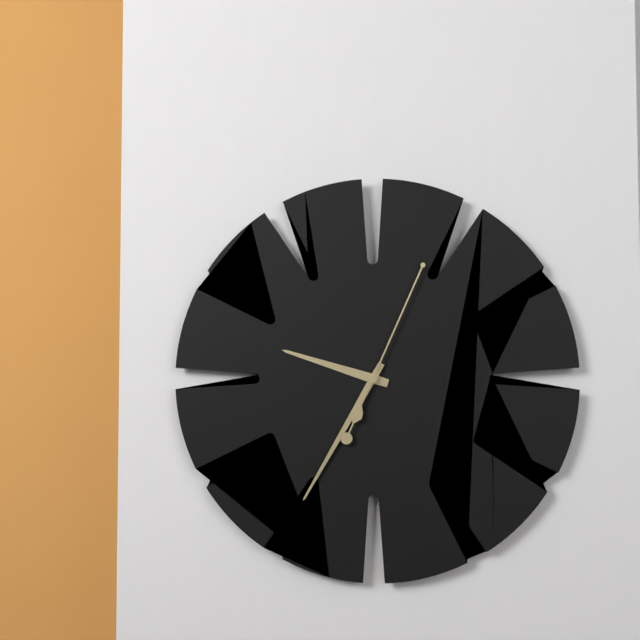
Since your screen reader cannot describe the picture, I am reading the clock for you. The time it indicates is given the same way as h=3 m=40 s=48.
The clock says h=9 m=35 s=4
